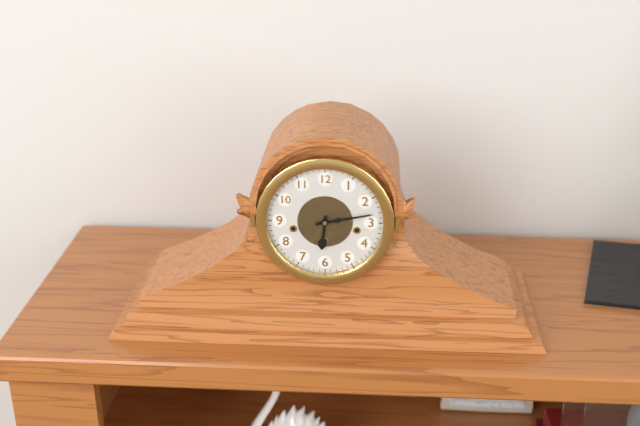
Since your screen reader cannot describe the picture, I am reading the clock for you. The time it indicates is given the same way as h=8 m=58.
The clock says h=6 m=13
